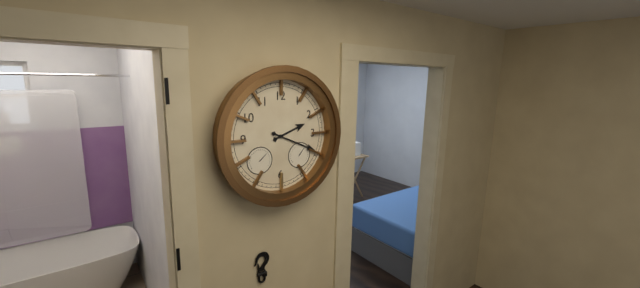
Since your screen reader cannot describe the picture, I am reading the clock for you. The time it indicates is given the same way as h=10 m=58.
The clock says h=2 m=19
